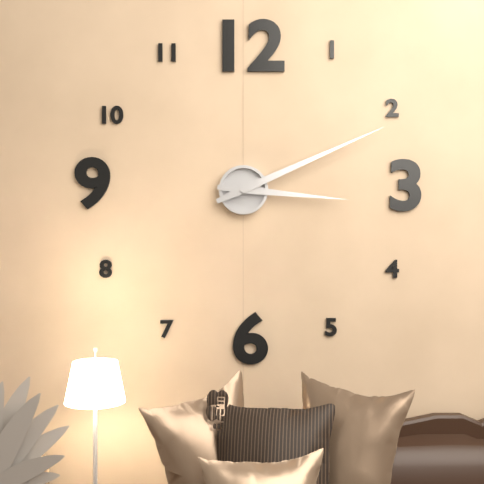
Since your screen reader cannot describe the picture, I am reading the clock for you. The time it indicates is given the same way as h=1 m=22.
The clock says h=3 m=11
